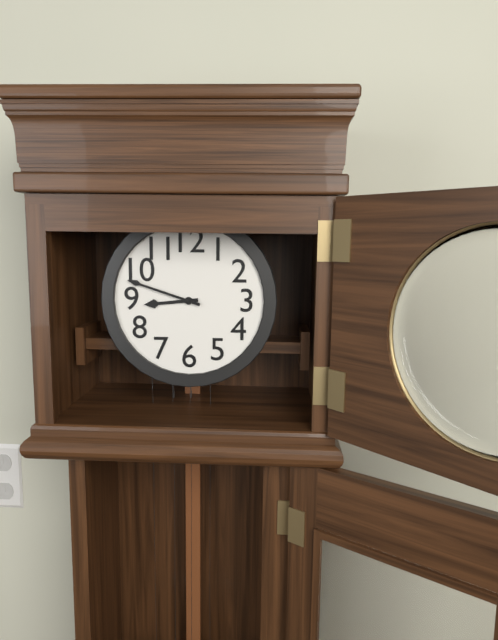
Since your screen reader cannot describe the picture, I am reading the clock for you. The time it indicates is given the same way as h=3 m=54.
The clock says h=8 m=48
